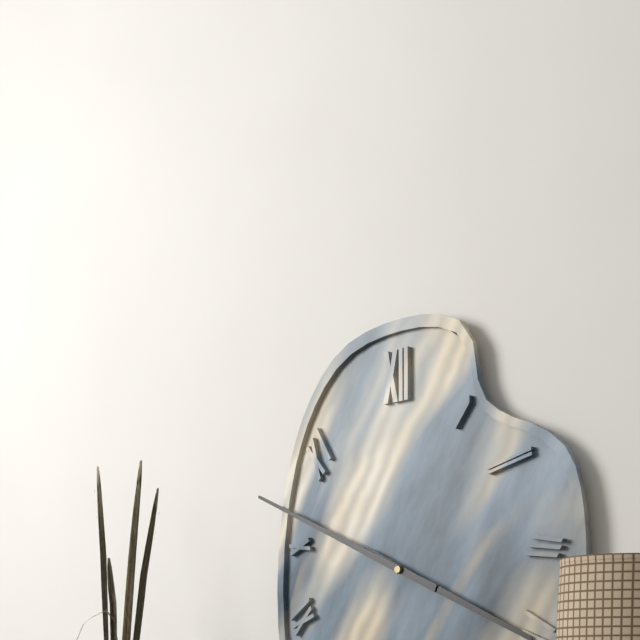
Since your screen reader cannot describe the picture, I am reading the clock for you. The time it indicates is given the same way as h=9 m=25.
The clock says h=3 m=49
